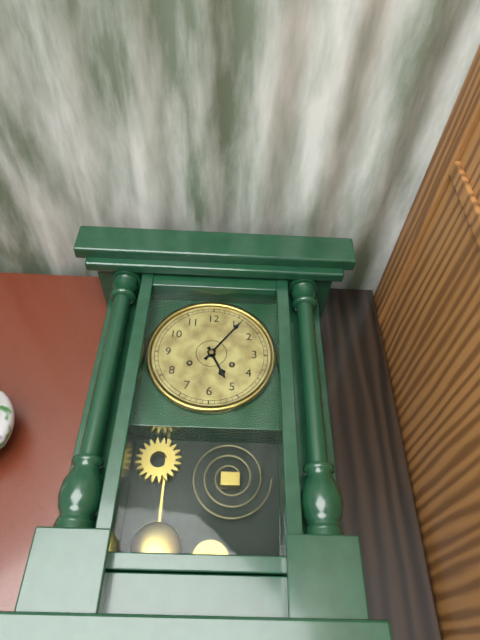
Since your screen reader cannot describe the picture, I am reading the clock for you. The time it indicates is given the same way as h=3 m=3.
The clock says h=5 m=6
